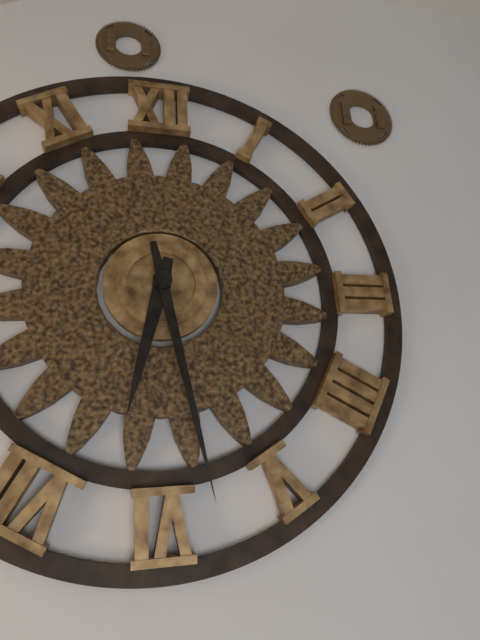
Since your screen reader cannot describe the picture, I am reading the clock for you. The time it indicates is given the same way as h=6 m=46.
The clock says h=6 m=28
